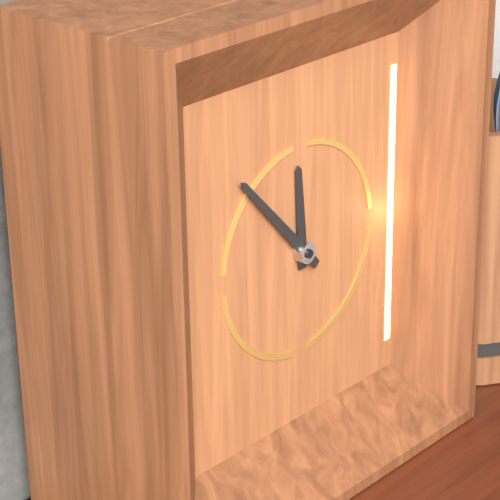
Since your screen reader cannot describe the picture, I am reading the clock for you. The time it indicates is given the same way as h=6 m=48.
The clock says h=11 m=53
